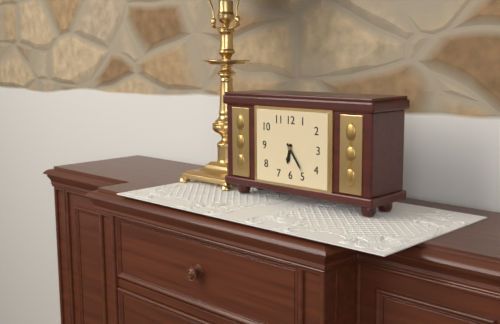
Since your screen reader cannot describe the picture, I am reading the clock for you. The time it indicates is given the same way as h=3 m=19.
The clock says h=6 m=24
